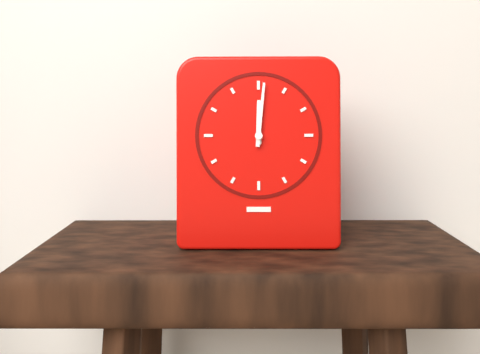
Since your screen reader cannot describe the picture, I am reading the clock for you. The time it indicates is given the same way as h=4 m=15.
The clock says h=12 m=1
